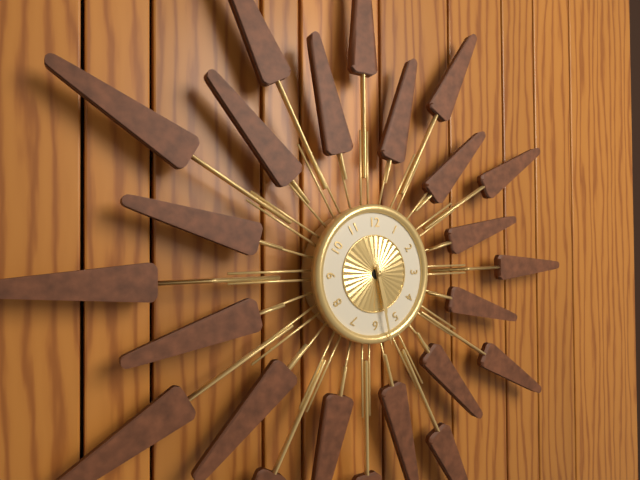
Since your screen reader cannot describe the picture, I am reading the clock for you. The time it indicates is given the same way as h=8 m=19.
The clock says h=5 m=28
